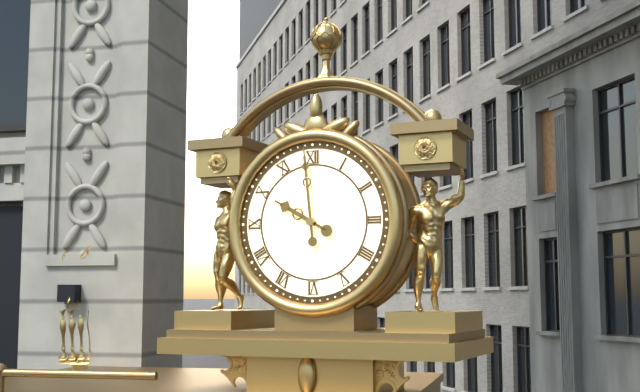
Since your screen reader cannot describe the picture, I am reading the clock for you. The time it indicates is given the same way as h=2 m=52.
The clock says h=9 m=59
